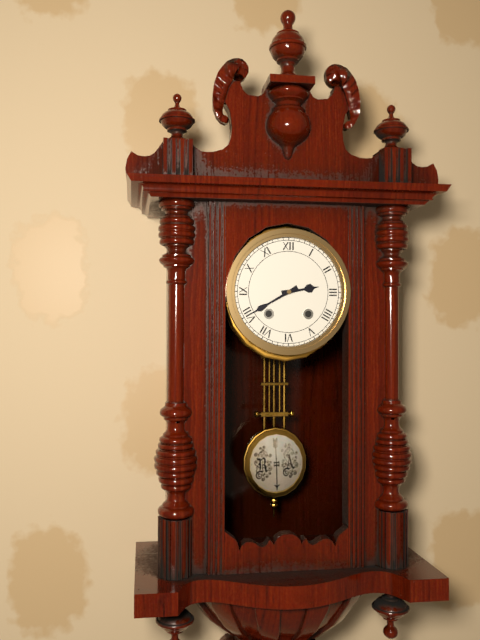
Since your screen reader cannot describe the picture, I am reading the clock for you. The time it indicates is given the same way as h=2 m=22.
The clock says h=2 m=40
